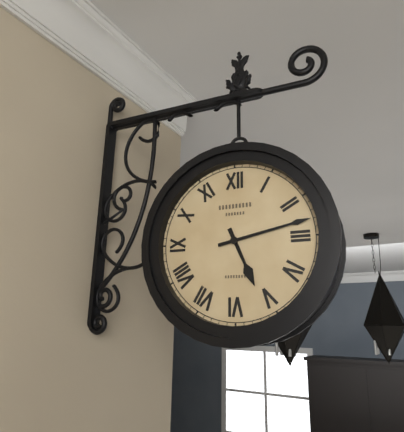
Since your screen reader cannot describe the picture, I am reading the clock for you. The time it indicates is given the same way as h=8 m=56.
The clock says h=5 m=13
